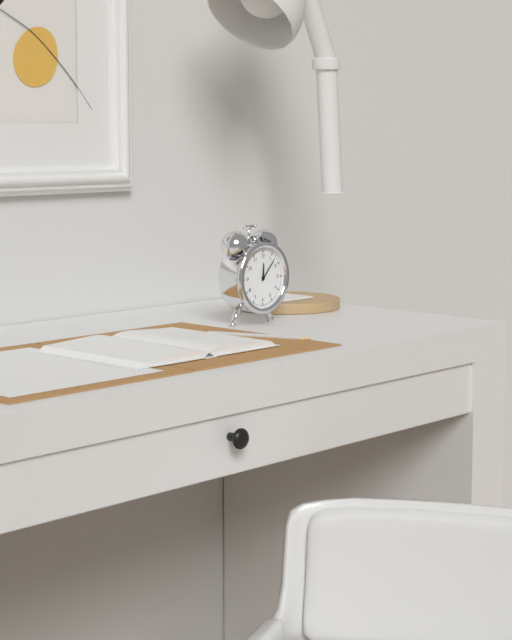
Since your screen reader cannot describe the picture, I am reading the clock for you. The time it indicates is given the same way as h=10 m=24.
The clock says h=12 m=7
